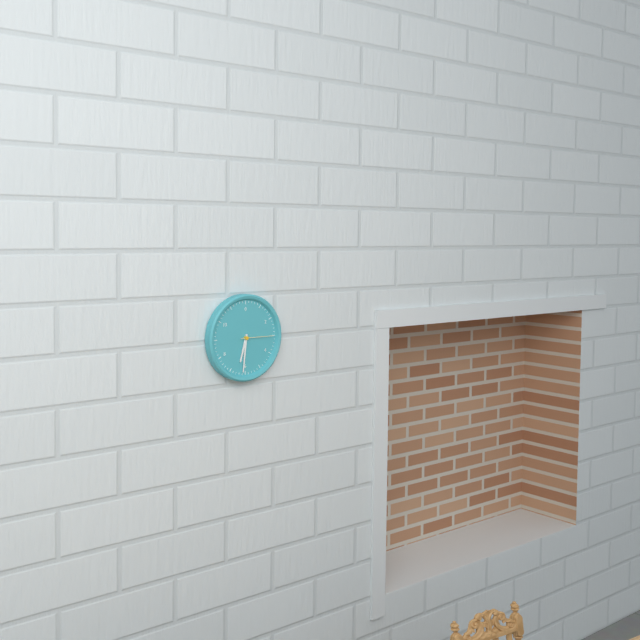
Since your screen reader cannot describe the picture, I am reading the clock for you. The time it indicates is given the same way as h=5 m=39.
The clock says h=6 m=31
